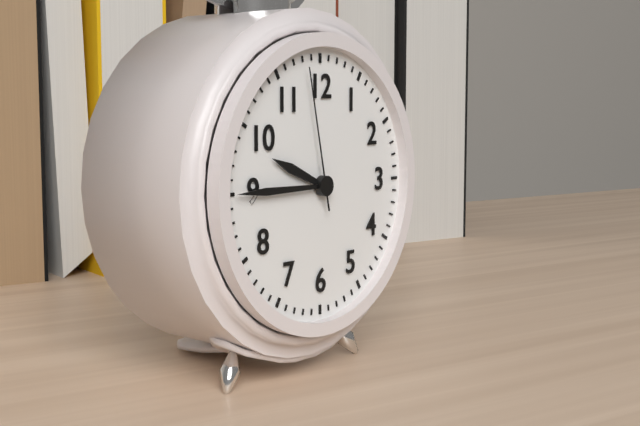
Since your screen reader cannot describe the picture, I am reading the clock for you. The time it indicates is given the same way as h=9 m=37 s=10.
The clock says h=9 m=45 s=58
